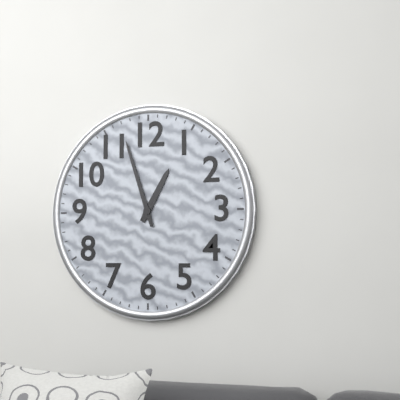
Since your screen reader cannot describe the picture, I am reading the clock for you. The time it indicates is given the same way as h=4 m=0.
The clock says h=12 m=57
